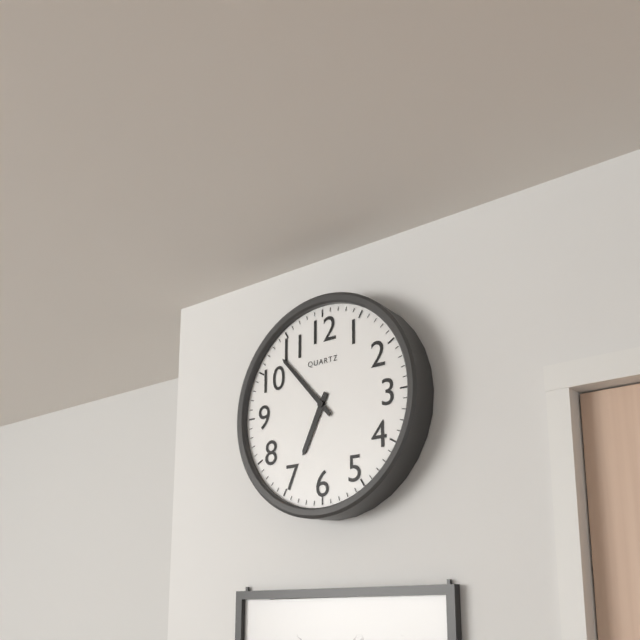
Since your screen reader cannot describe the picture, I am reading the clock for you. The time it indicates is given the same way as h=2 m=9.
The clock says h=6 m=53
